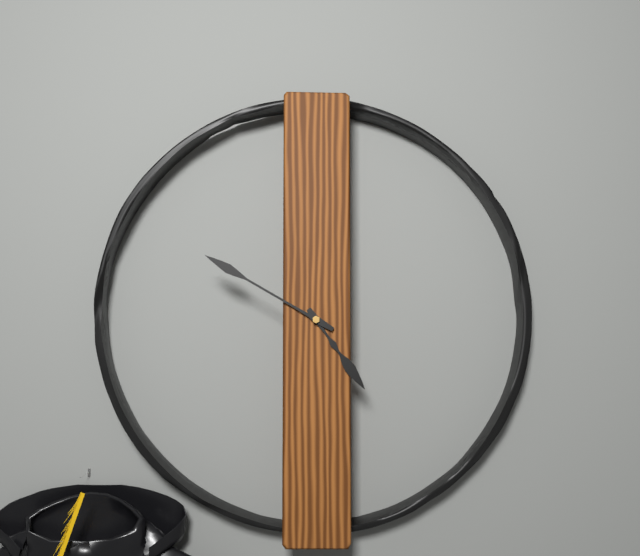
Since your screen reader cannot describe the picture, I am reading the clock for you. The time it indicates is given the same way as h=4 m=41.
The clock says h=4 m=50
